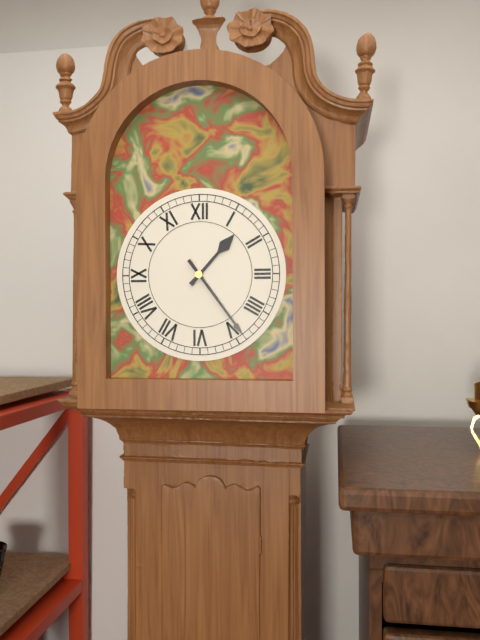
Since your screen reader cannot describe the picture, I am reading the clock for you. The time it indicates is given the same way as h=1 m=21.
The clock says h=1 m=24
